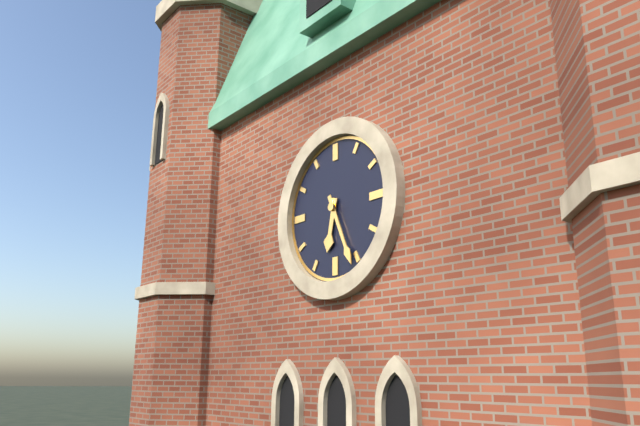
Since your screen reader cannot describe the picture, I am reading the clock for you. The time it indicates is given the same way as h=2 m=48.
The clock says h=6 m=26
